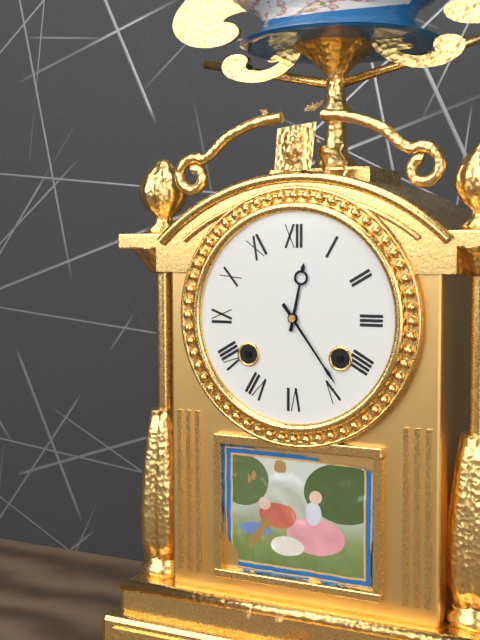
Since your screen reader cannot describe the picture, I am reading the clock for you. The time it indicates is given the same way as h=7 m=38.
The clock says h=12 m=24
